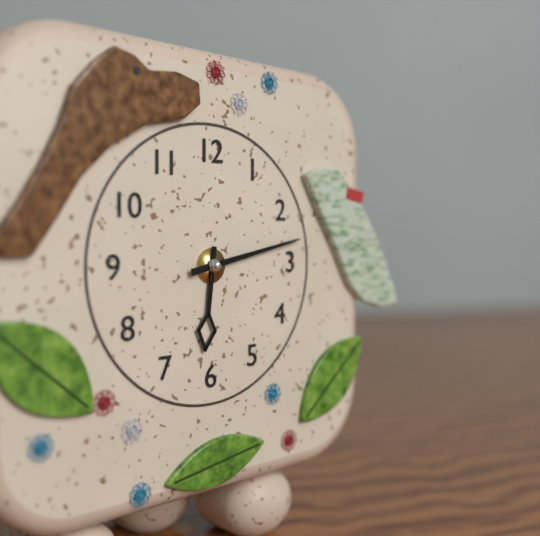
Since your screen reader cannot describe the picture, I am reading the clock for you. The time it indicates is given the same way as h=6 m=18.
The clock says h=6 m=13
